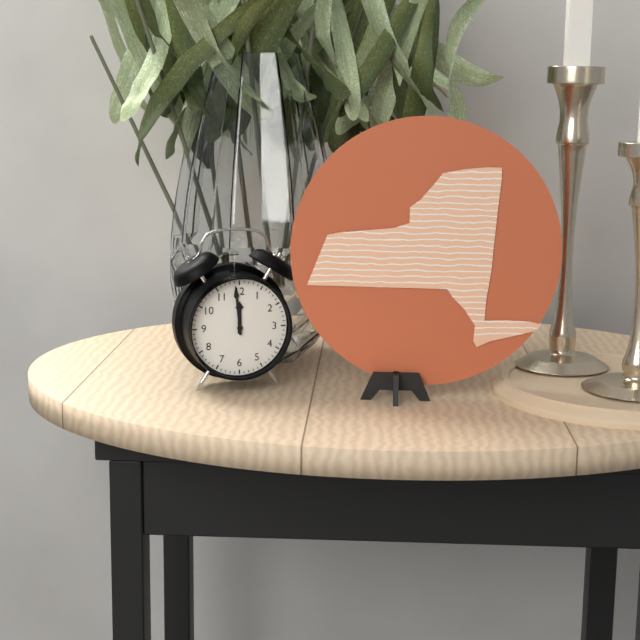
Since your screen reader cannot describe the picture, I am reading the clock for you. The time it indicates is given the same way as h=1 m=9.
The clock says h=11 m=59
